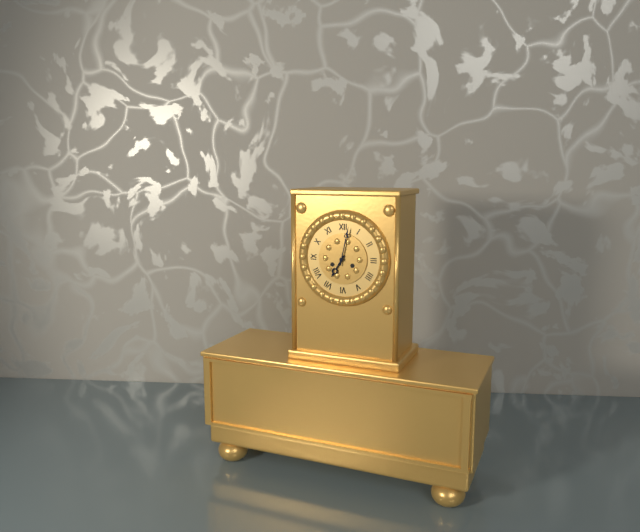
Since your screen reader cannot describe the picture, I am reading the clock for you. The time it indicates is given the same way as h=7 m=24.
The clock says h=7 m=2
